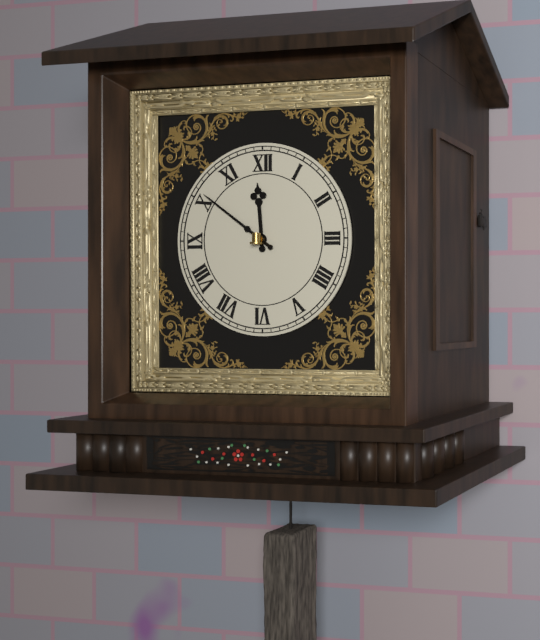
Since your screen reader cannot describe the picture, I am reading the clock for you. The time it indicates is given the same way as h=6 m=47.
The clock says h=11 m=51
